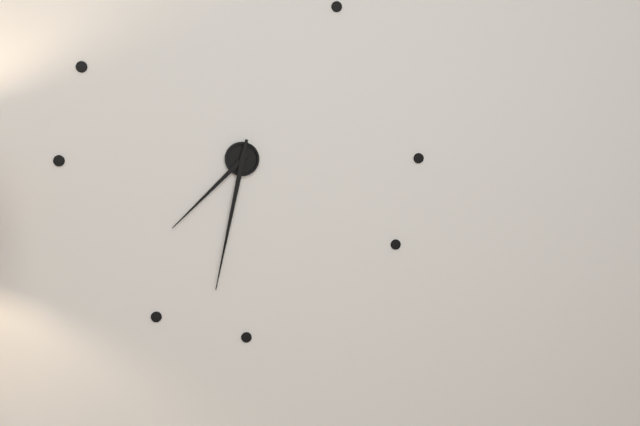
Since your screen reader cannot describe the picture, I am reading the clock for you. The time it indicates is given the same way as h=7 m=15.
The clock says h=7 m=32
